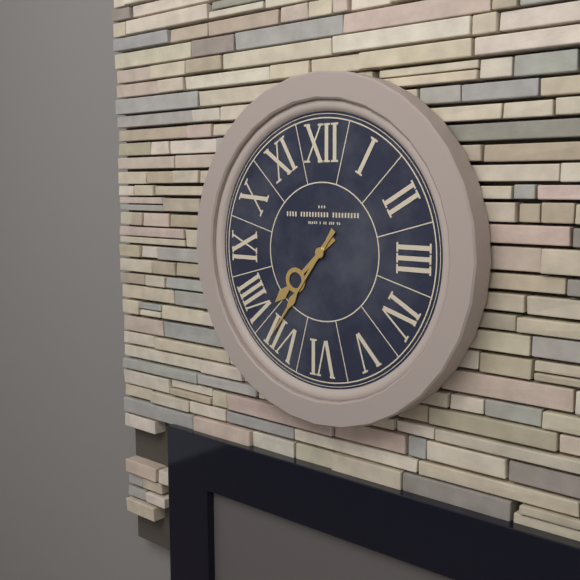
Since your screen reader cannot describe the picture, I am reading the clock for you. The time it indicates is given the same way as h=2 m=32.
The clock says h=7 m=36
